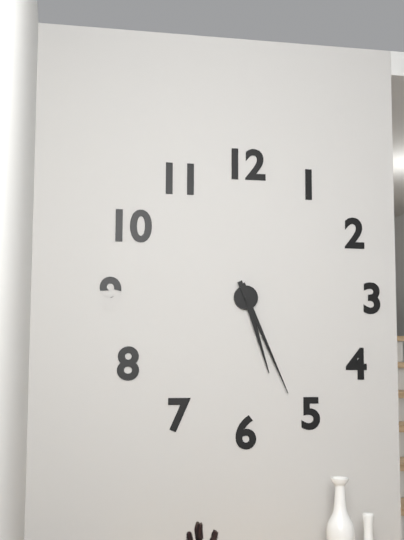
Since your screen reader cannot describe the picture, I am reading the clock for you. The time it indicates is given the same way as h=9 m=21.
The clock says h=5 m=26
